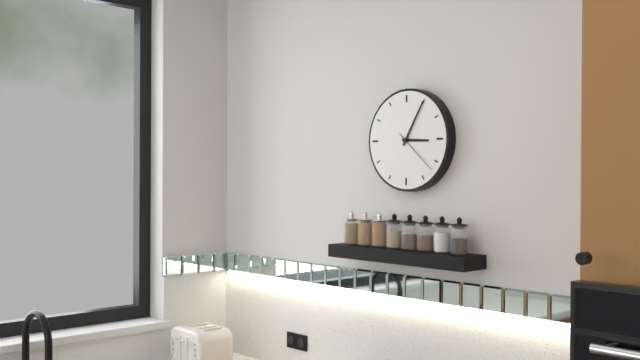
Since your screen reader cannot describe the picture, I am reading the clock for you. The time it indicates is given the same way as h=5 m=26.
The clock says h=3 m=5
